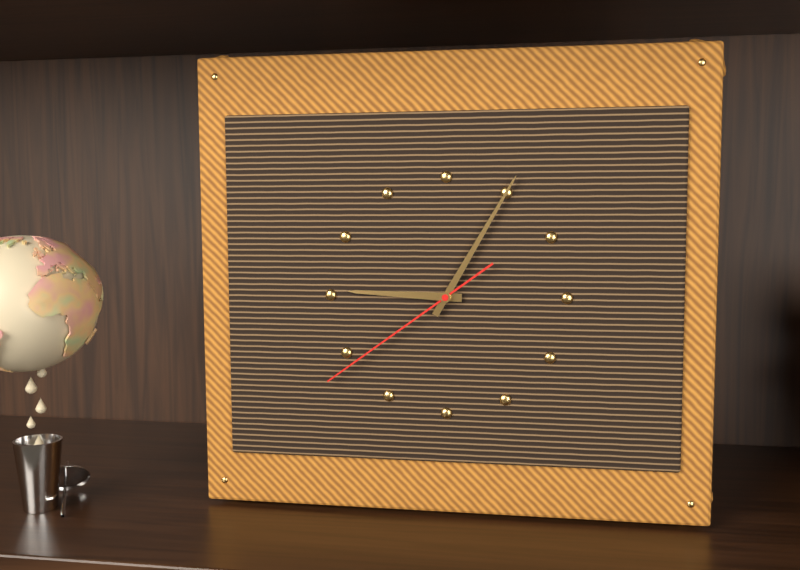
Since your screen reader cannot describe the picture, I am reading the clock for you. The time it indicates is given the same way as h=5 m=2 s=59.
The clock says h=9 m=5 s=39
